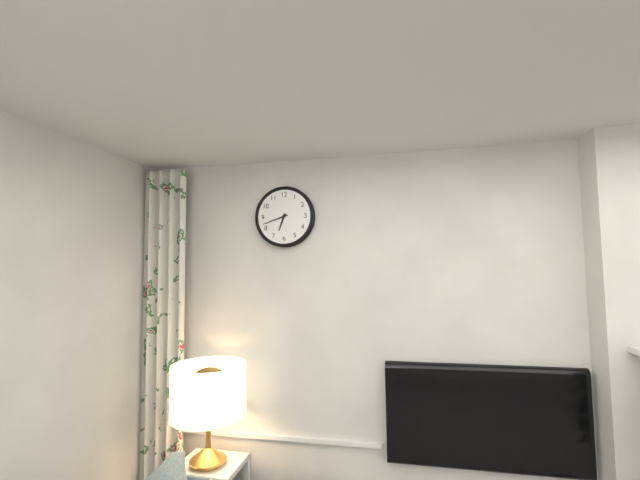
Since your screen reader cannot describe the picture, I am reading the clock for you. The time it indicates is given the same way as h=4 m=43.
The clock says h=6 m=42
